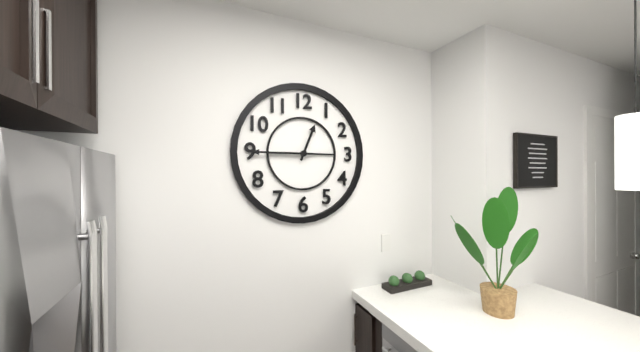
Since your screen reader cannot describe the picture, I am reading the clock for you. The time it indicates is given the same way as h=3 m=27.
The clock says h=12 m=45
